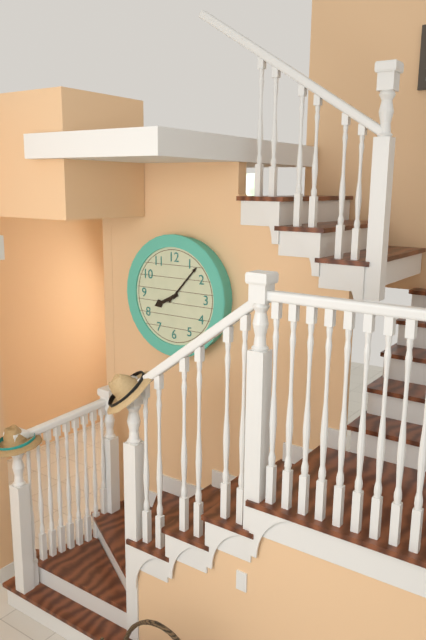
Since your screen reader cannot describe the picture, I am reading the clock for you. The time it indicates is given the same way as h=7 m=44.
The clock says h=8 m=7
